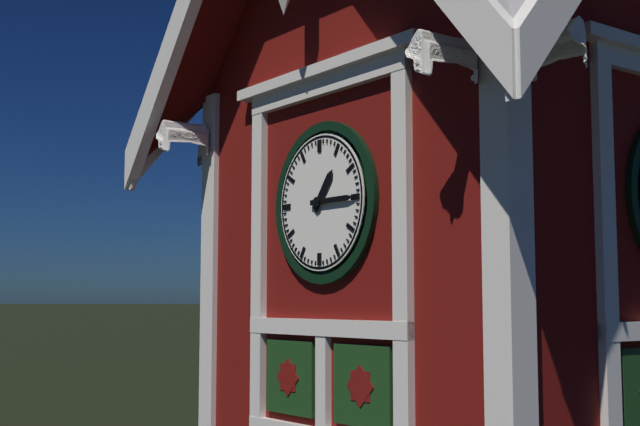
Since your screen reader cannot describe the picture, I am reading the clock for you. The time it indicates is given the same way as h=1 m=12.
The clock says h=1 m=15
